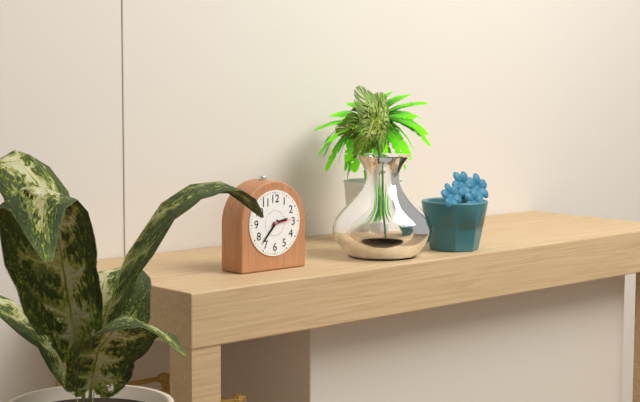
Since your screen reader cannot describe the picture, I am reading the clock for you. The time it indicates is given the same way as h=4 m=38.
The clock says h=2 m=37
